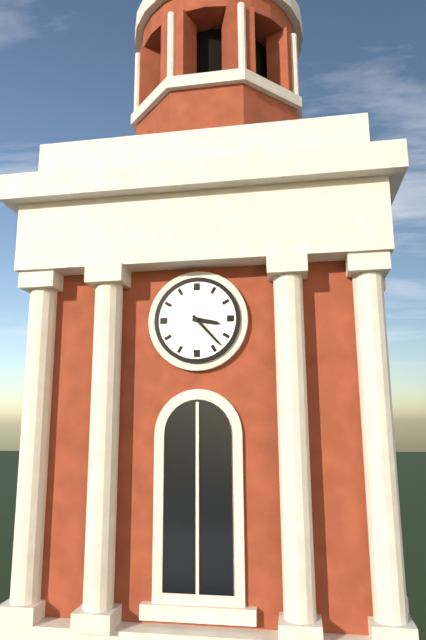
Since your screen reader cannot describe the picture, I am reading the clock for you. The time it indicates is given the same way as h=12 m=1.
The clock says h=3 m=23
